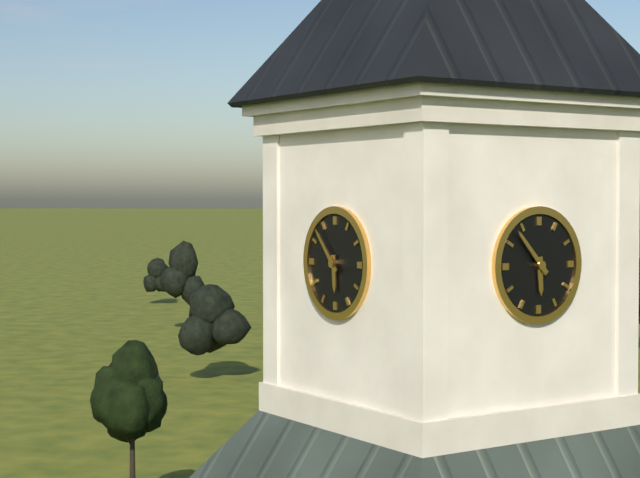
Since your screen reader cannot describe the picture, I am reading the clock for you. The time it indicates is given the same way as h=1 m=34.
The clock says h=5 m=53
